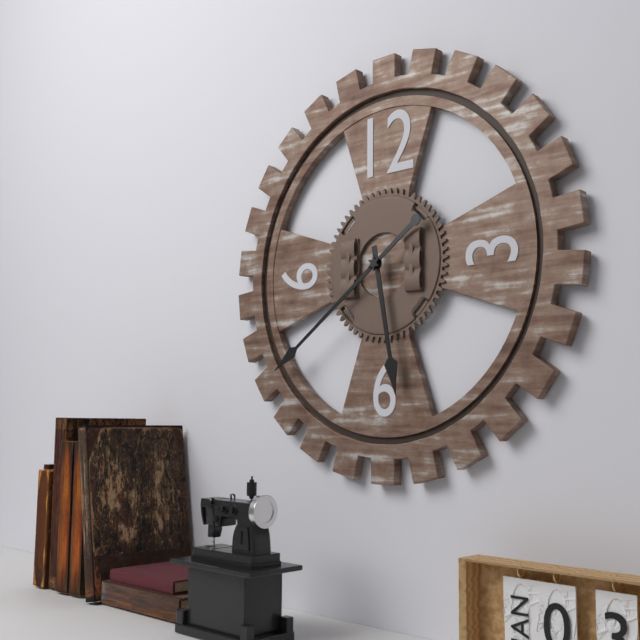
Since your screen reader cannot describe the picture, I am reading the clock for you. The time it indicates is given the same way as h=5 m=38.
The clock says h=5 m=39
